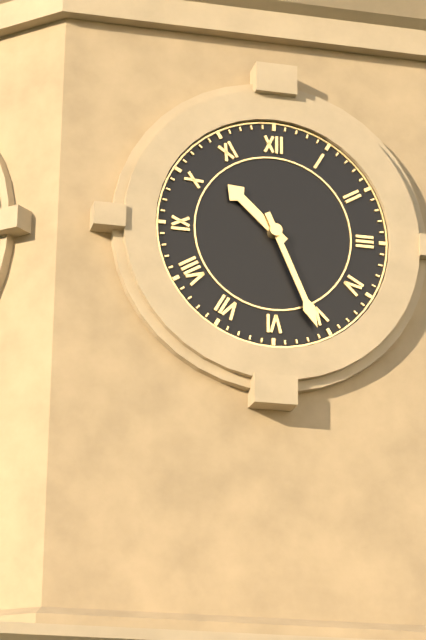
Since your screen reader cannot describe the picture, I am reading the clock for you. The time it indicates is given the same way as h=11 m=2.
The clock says h=10 m=26
